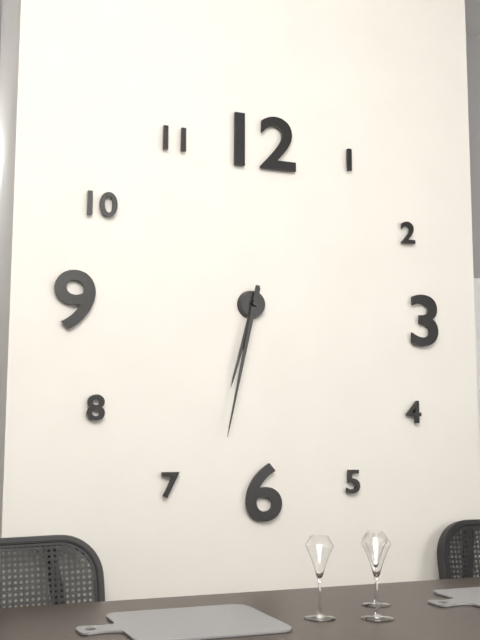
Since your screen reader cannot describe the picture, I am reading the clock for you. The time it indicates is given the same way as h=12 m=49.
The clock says h=6 m=32
